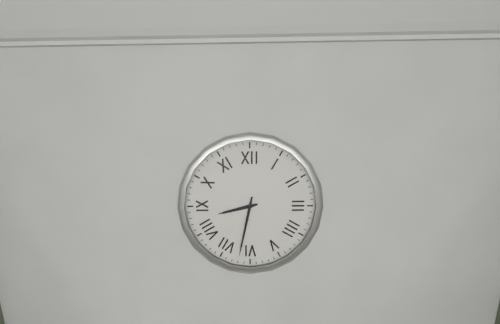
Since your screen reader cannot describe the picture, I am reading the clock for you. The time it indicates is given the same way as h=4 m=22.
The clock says h=8 m=32
